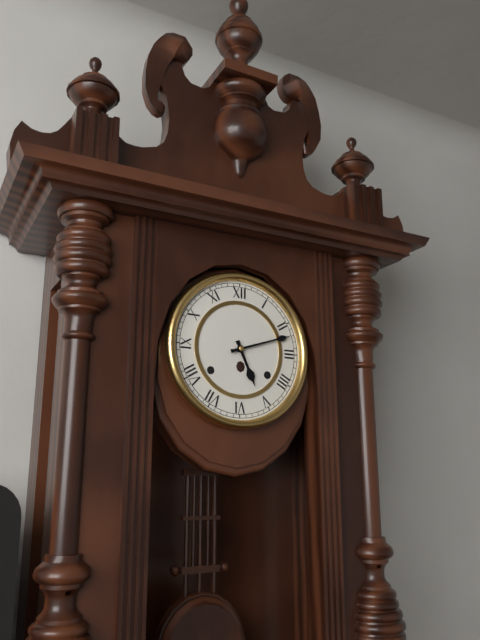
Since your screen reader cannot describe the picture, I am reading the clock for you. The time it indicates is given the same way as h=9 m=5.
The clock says h=5 m=12
